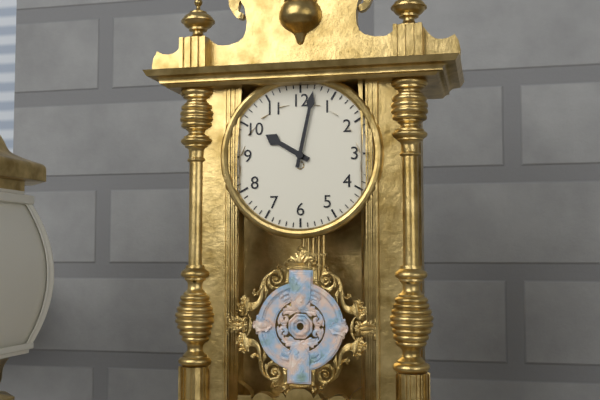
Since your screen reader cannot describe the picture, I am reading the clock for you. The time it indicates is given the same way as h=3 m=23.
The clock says h=10 m=2
